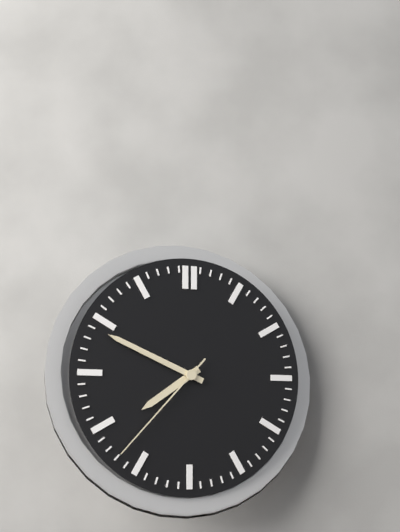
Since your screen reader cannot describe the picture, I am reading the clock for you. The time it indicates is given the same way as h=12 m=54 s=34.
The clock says h=7 m=49 s=37
